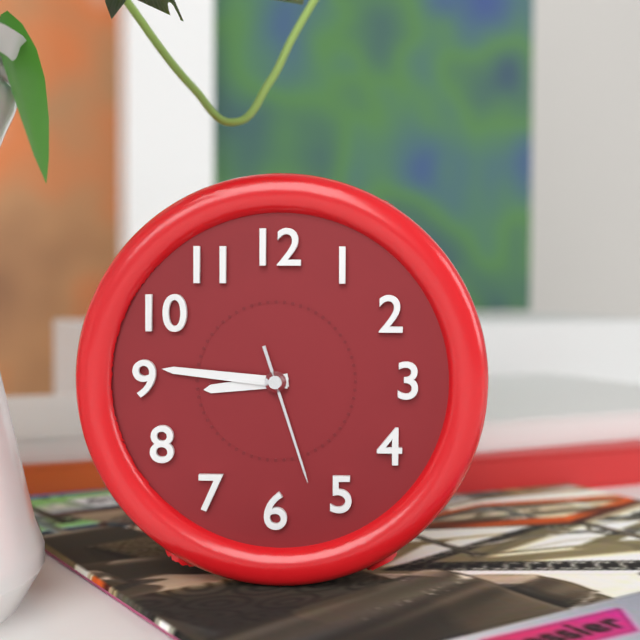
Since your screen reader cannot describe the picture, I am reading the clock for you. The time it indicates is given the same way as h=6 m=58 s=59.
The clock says h=8 m=46 s=27
